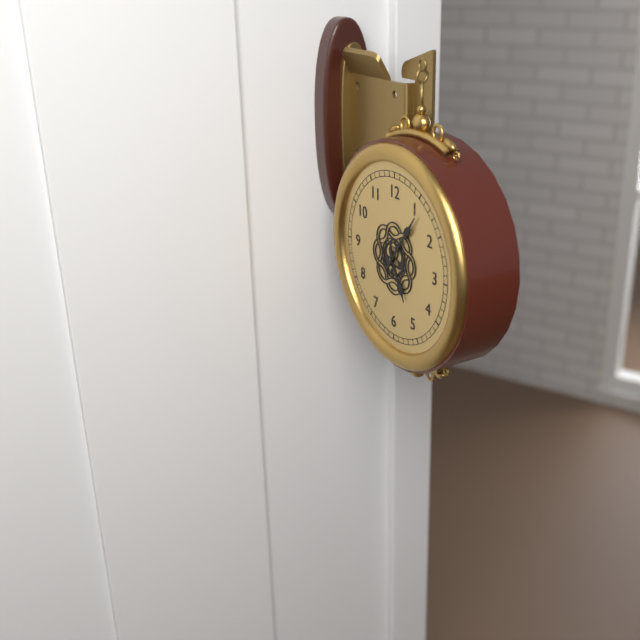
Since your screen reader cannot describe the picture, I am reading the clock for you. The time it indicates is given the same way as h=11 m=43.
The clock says h=5 m=6
